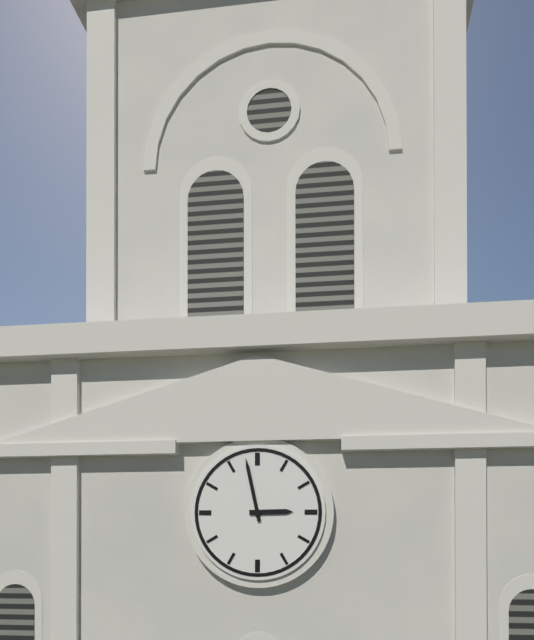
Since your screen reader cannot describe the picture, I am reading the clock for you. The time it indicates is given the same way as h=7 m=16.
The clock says h=2 m=58
